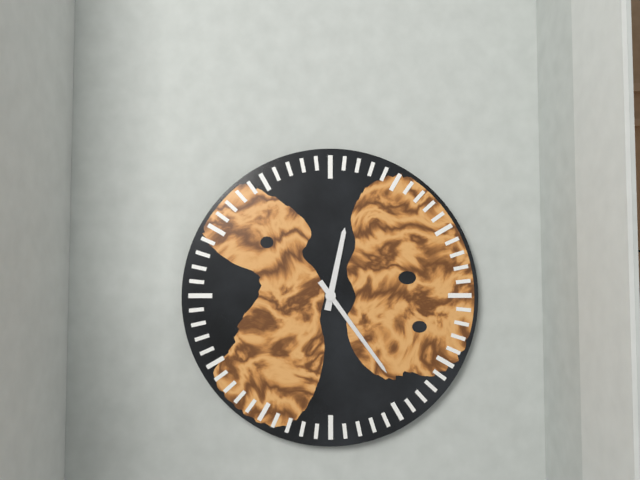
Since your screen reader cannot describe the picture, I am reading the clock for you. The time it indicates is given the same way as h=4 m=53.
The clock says h=12 m=24
